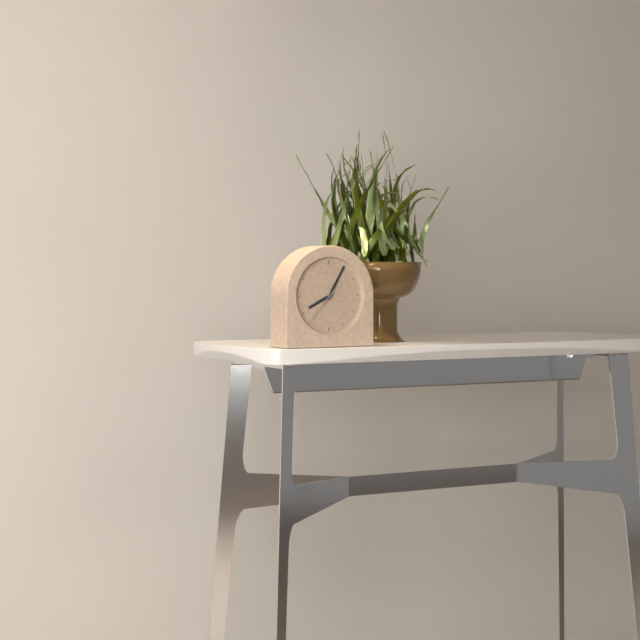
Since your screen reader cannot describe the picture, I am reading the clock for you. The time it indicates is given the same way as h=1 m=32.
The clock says h=8 m=5
